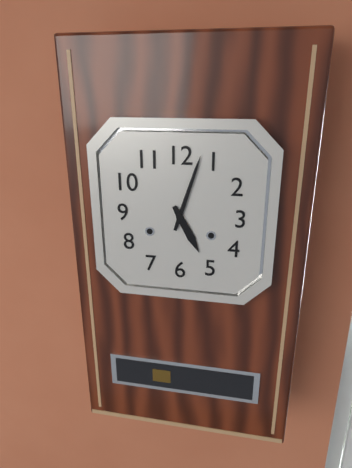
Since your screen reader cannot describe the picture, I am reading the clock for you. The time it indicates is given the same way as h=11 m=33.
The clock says h=5 m=3
